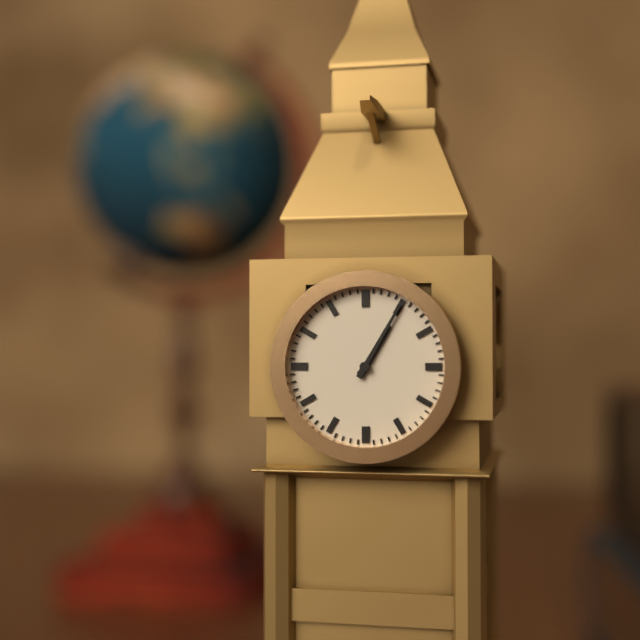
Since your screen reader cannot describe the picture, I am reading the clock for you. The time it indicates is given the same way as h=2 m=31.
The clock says h=1 m=5
